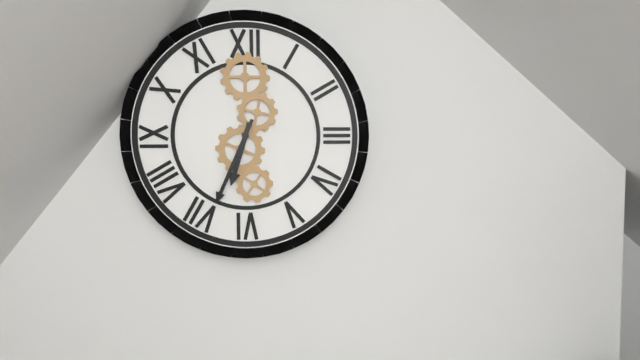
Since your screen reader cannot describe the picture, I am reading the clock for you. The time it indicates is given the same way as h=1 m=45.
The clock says h=6 m=34
